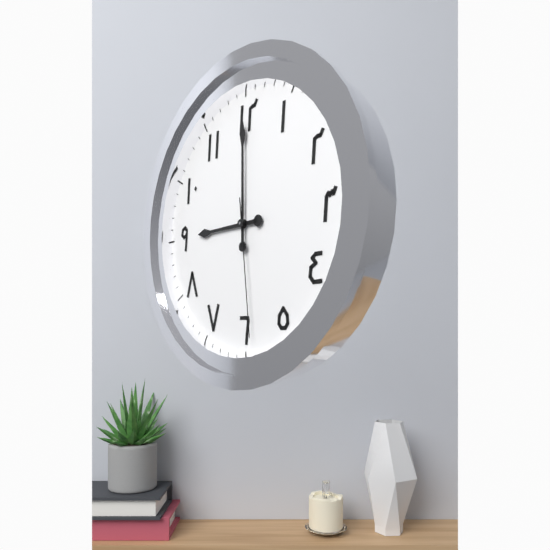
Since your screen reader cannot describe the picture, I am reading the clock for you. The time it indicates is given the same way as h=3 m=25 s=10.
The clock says h=9 m=0 s=29
